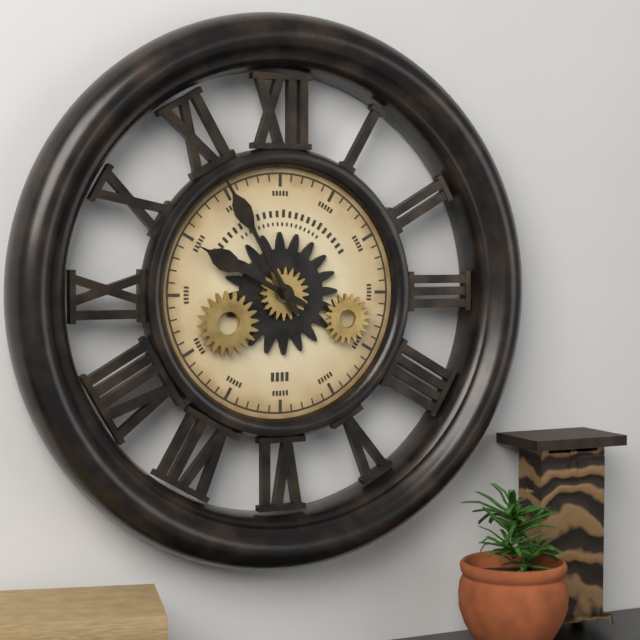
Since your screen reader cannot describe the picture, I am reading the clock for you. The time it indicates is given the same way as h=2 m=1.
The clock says h=9 m=55
